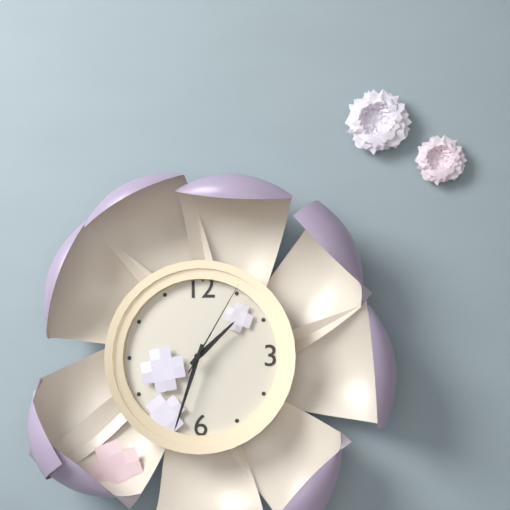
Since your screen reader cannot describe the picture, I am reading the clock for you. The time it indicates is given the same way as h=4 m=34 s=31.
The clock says h=1 m=33 s=5
